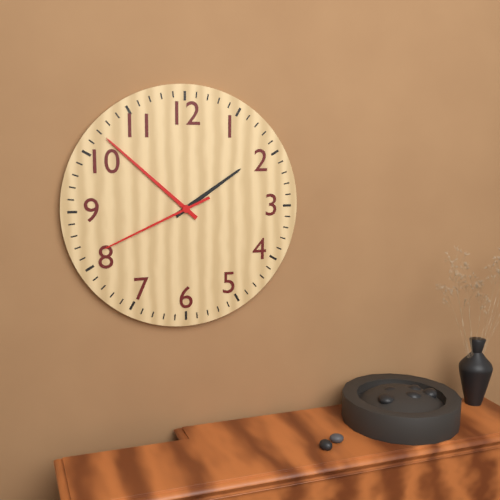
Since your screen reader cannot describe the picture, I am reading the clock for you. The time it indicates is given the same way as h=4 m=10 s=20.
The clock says h=1 m=52 s=41
